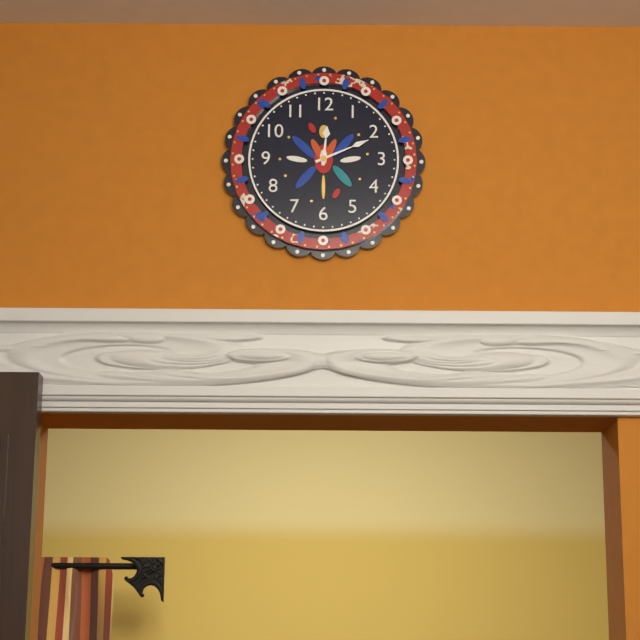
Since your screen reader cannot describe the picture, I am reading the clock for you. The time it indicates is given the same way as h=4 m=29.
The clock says h=12 m=11
